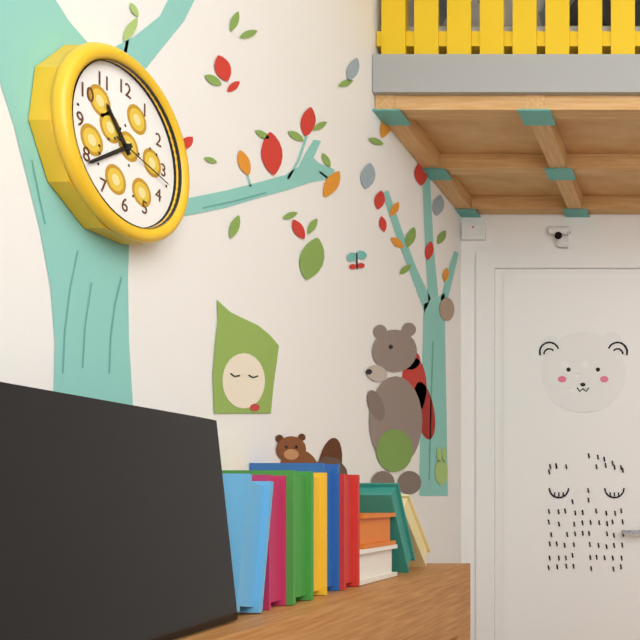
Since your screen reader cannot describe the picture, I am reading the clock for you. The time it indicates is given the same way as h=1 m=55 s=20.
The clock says h=10 m=39 s=17
